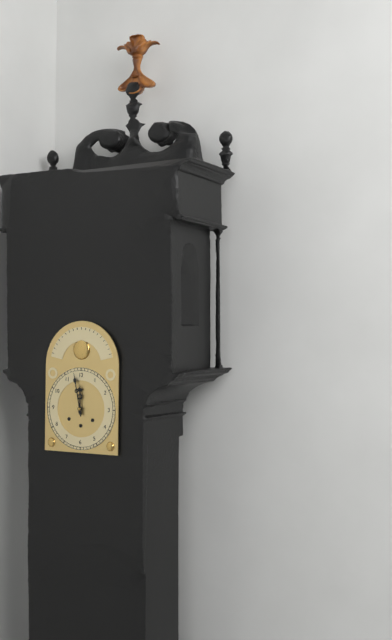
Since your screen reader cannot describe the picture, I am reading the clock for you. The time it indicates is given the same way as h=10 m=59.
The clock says h=11 m=58
